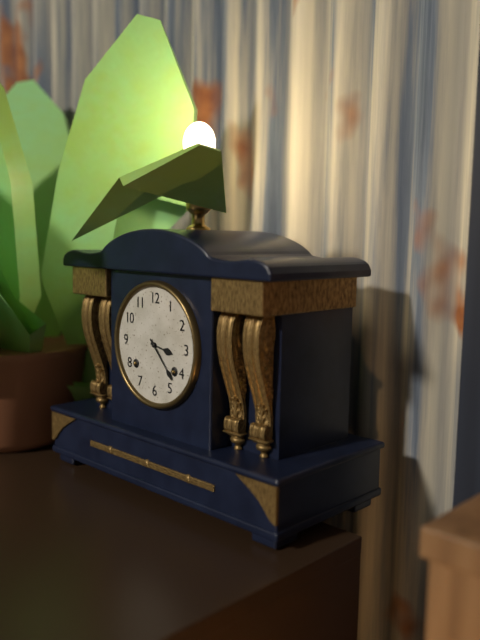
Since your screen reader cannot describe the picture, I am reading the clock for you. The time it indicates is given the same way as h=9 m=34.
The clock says h=3 m=23
